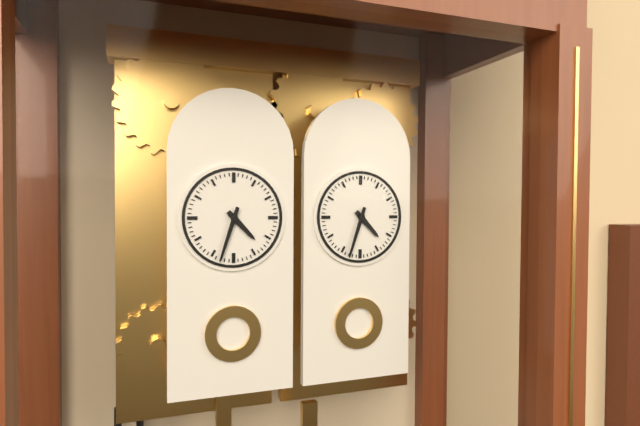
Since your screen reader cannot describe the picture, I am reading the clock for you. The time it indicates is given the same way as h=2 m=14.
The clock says h=4 m=33
